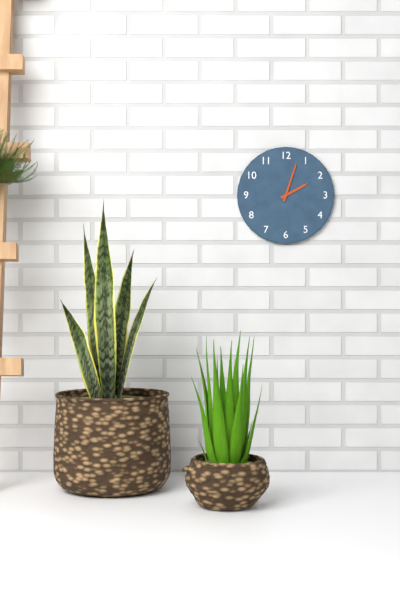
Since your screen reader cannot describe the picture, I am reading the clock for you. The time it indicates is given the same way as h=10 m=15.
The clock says h=2 m=3
